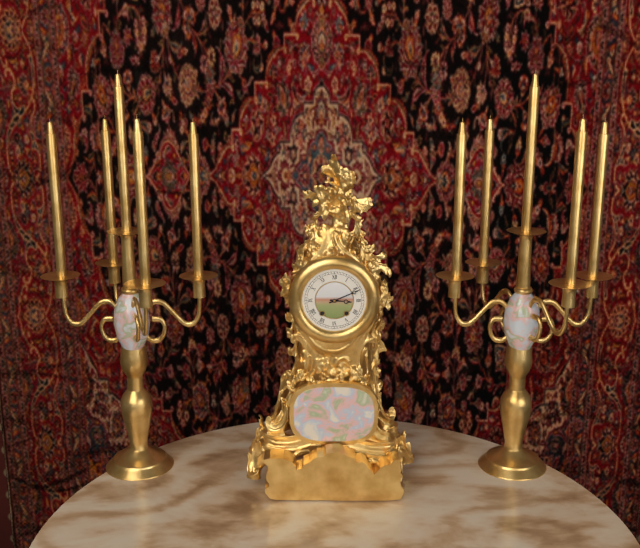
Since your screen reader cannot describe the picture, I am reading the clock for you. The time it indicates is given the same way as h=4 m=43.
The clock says h=3 m=11
